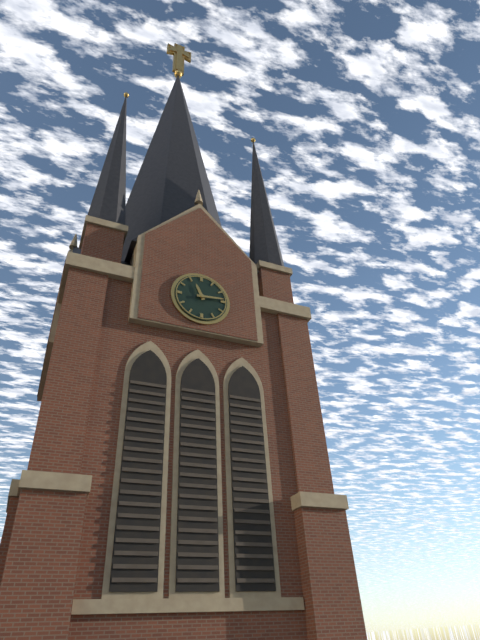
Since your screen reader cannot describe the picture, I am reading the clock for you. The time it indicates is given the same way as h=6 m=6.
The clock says h=11 m=14
